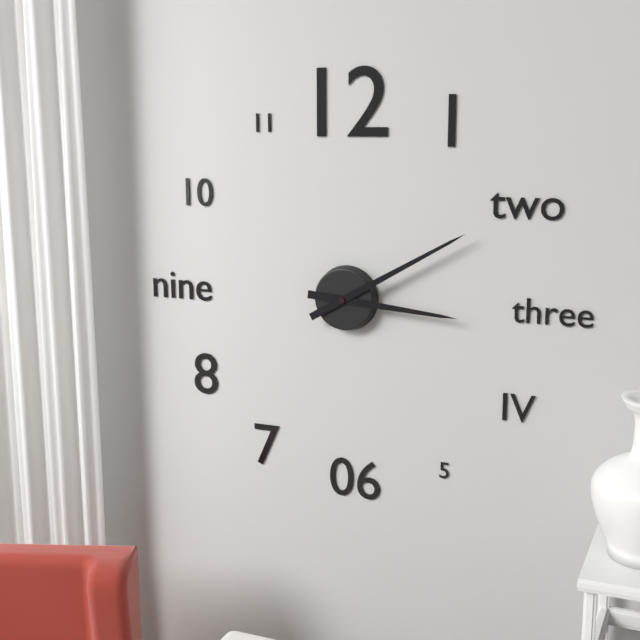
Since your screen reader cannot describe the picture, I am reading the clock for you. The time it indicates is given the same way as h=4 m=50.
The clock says h=3 m=10
